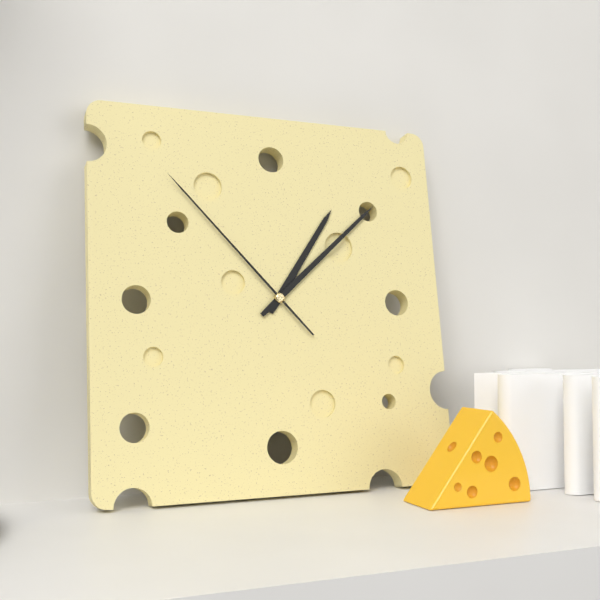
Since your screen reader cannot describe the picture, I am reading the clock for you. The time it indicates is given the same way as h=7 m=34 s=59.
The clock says h=1 m=8 s=53
